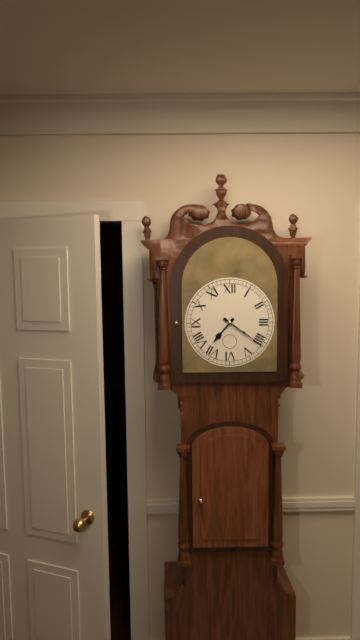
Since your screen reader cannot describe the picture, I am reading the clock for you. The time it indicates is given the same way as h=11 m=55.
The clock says h=7 m=21
